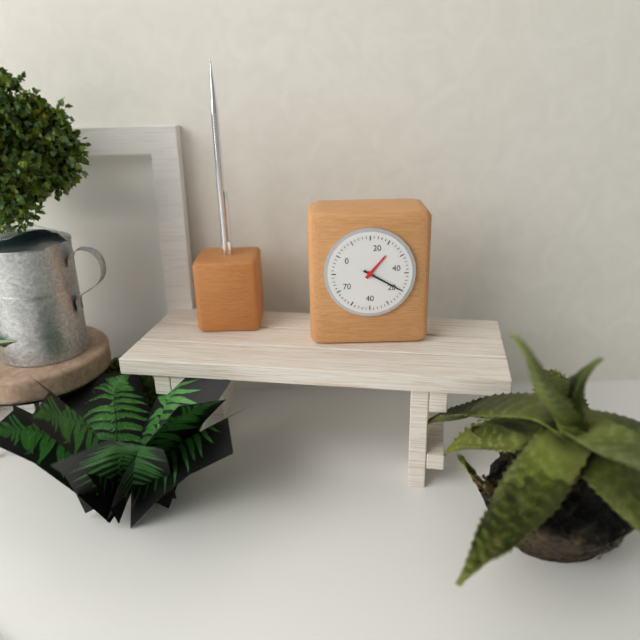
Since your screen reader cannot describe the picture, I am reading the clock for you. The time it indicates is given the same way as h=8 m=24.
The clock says h=1 m=20
